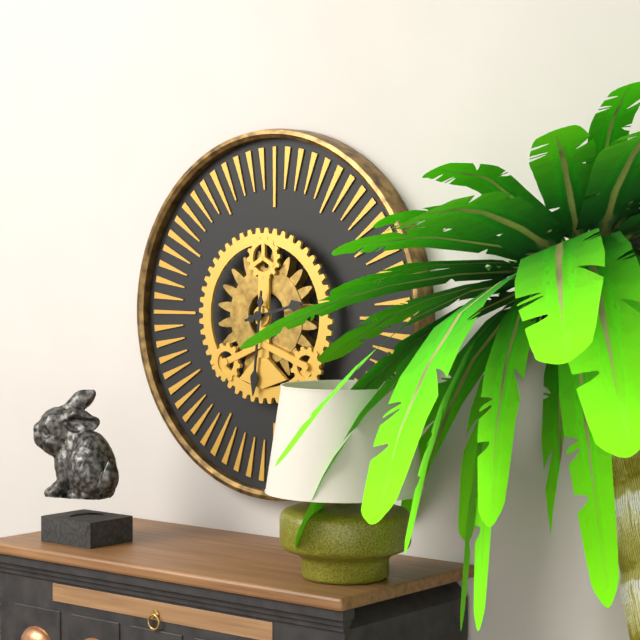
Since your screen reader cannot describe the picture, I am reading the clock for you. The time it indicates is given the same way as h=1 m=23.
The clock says h=2 m=31
